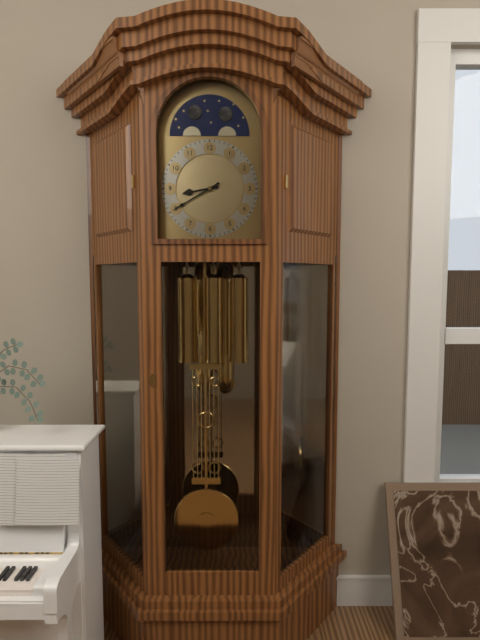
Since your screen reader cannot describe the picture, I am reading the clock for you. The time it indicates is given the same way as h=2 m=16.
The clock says h=8 m=40
